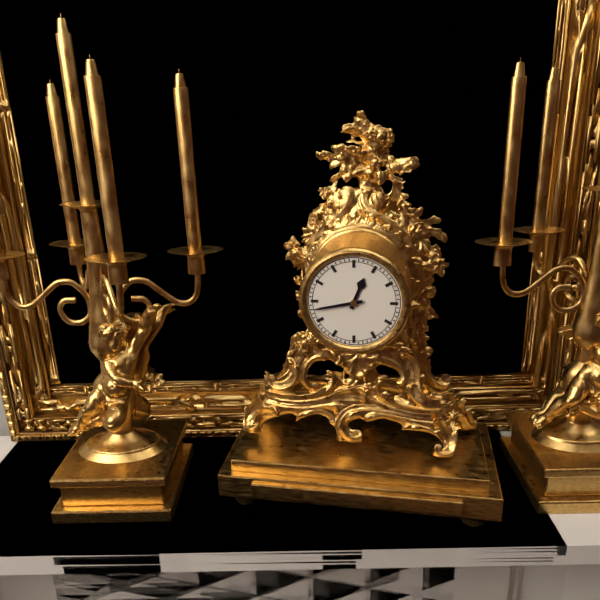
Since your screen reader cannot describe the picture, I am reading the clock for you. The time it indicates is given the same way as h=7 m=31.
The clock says h=12 m=43
